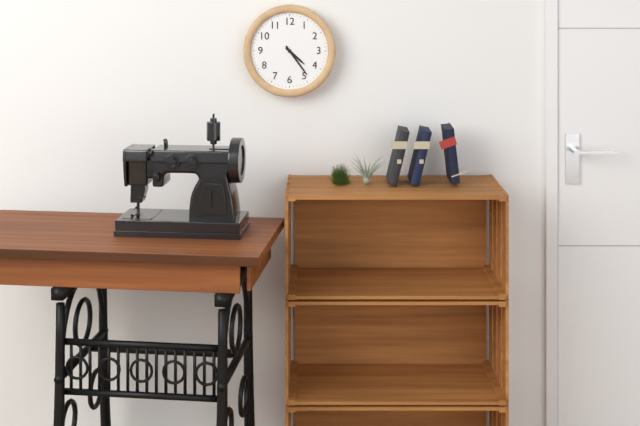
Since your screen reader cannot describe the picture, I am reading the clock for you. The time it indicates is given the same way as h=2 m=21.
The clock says h=4 m=24
